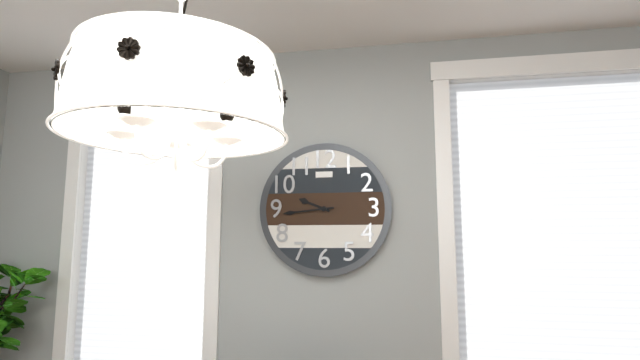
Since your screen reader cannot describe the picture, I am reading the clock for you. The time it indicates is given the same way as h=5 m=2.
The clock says h=9 m=44
